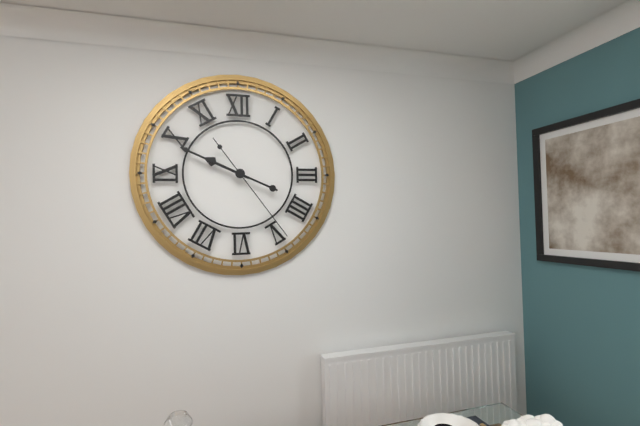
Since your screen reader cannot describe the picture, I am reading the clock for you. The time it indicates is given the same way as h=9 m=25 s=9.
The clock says h=9 m=49 s=24
